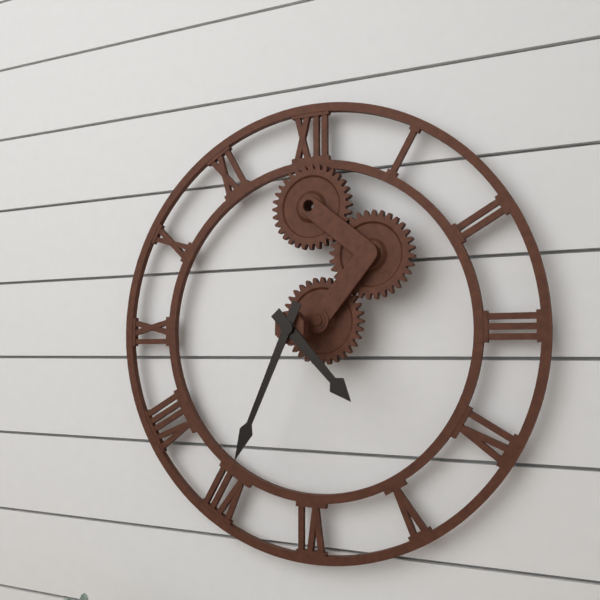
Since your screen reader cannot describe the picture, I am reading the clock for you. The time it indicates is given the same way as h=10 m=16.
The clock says h=4 m=34
